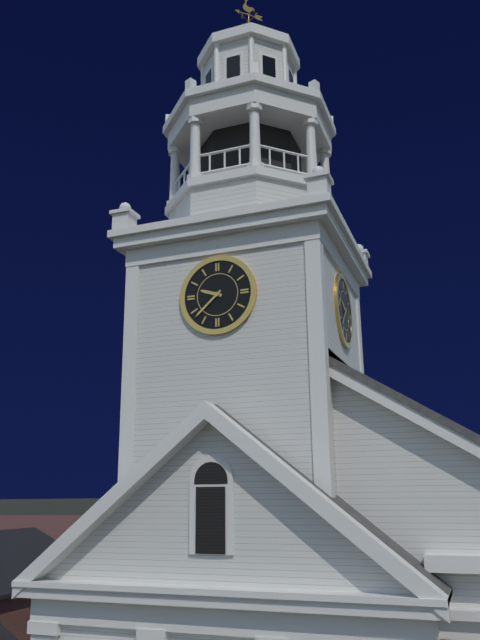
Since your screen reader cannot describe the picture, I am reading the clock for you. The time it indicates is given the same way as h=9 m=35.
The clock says h=9 m=38
